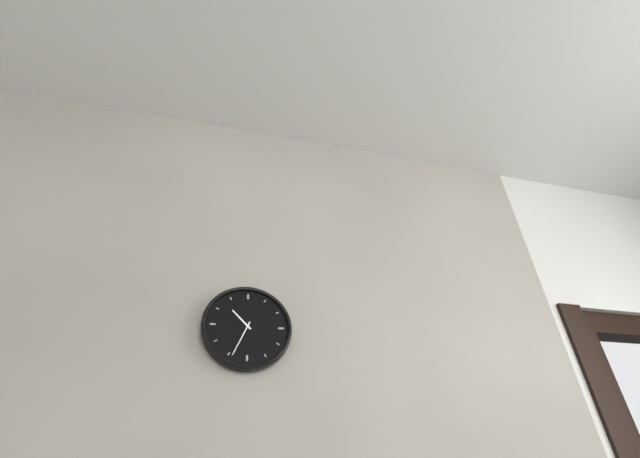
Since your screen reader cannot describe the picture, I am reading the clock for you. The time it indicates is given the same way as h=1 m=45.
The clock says h=10 m=34
